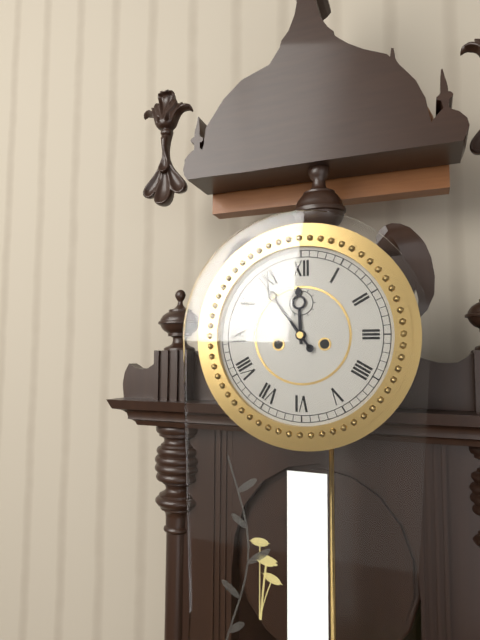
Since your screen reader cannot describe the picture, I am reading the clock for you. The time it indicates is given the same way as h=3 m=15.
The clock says h=11 m=54
